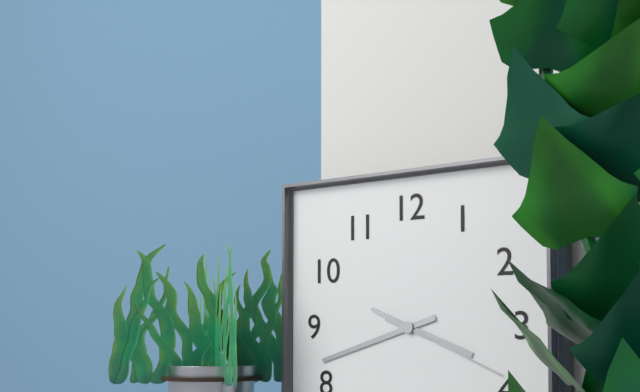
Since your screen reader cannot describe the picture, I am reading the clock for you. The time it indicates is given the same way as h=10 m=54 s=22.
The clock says h=3 m=42 s=19
